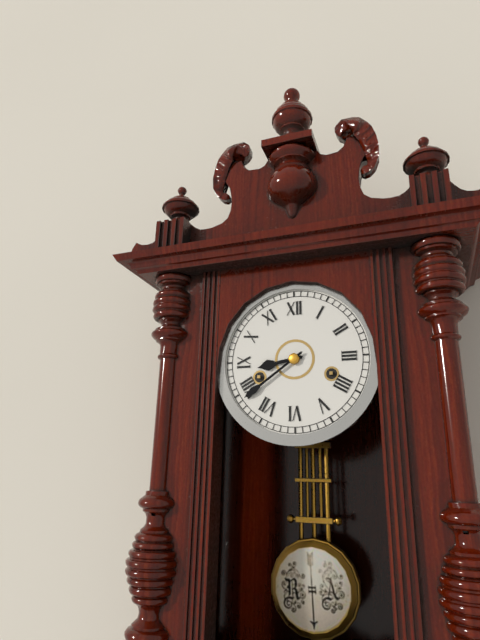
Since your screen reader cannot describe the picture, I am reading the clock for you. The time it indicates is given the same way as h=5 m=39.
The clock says h=8 m=39
